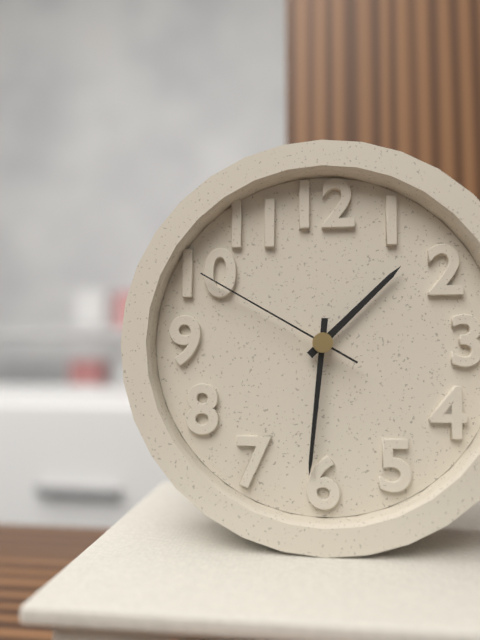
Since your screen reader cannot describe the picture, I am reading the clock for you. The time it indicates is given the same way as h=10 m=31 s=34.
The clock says h=1 m=31 s=50
